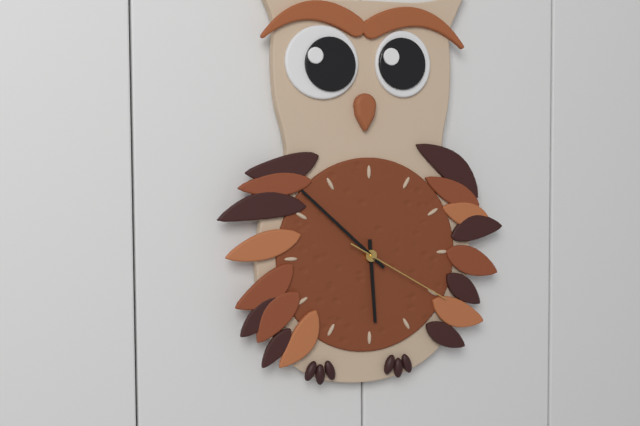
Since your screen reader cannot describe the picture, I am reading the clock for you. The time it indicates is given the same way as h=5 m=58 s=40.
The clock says h=5 m=52 s=20
